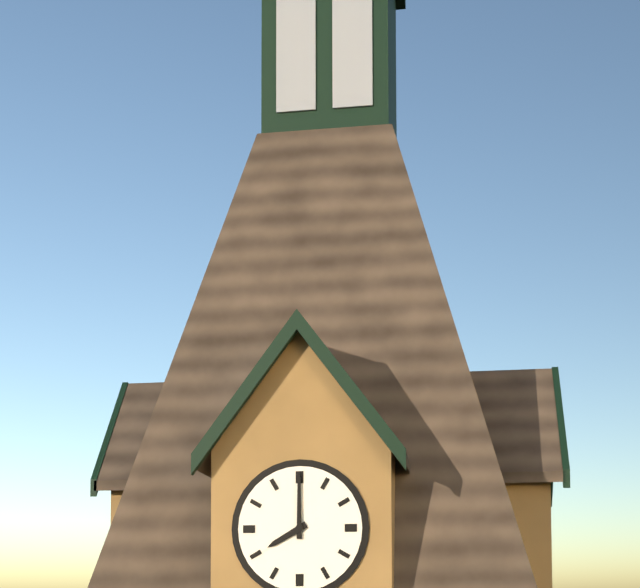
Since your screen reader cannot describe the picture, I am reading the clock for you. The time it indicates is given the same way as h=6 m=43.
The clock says h=8 m=0
